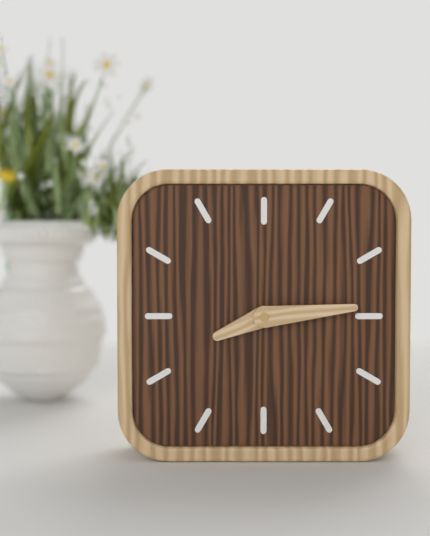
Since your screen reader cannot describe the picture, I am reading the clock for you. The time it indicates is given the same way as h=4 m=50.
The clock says h=8 m=14
